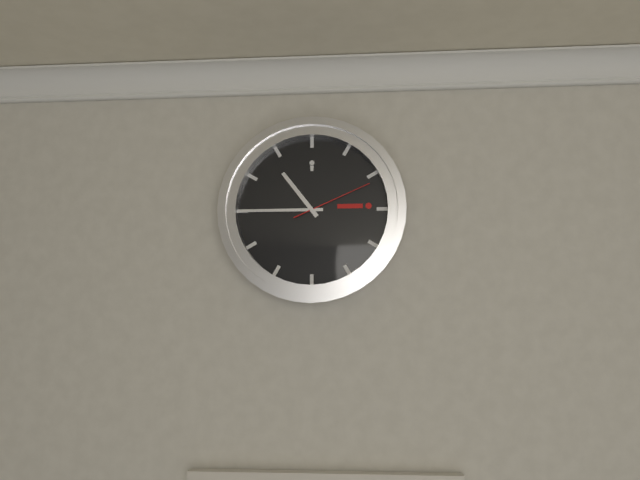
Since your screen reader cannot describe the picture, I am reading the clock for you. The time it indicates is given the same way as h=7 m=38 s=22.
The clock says h=10 m=45 s=11
